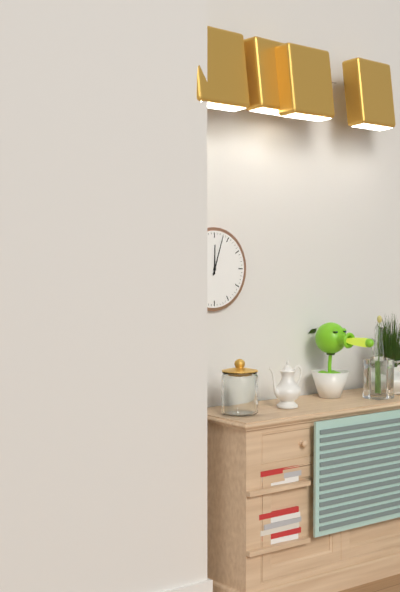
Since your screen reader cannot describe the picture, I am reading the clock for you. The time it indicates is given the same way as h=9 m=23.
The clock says h=12 m=3
